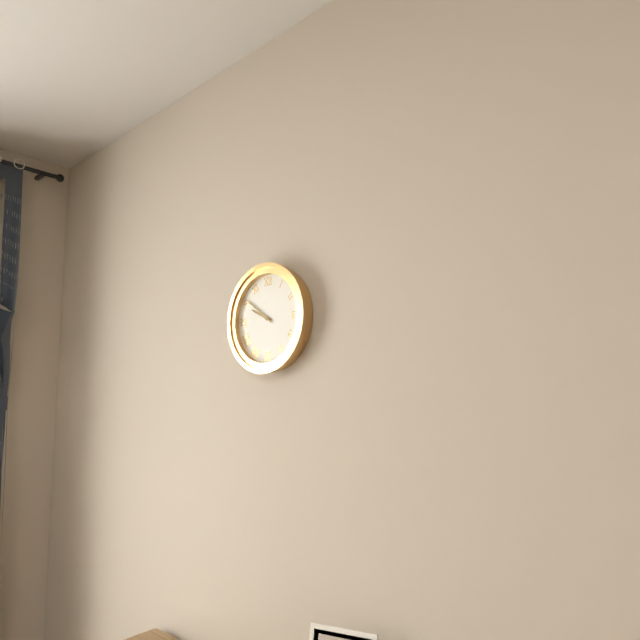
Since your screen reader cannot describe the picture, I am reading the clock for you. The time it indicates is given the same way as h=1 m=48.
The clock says h=9 m=51
